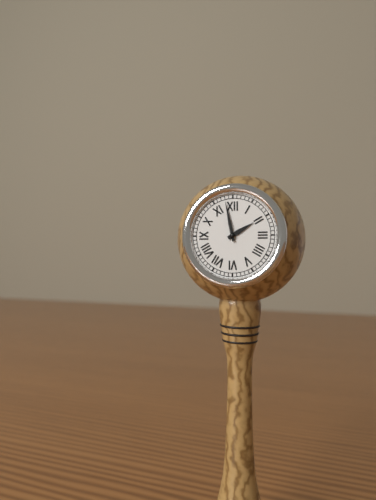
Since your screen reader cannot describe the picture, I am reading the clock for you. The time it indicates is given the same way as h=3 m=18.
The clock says h=1 m=58
